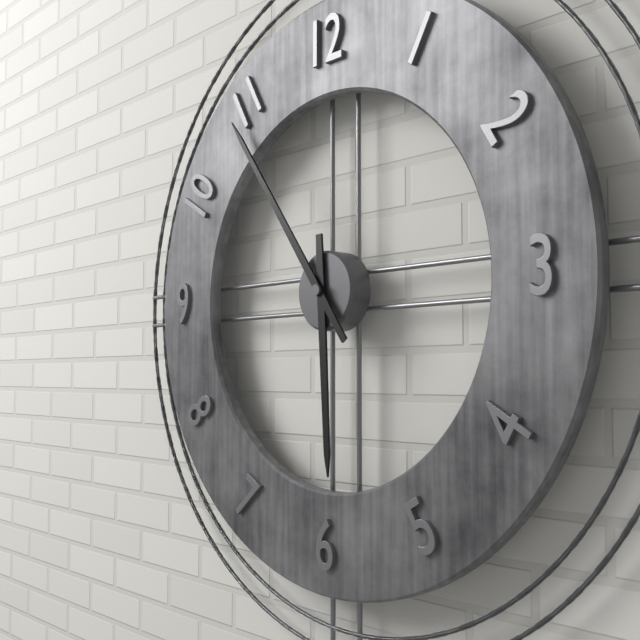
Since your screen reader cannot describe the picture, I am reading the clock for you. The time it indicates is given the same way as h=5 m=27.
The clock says h=5 m=54
